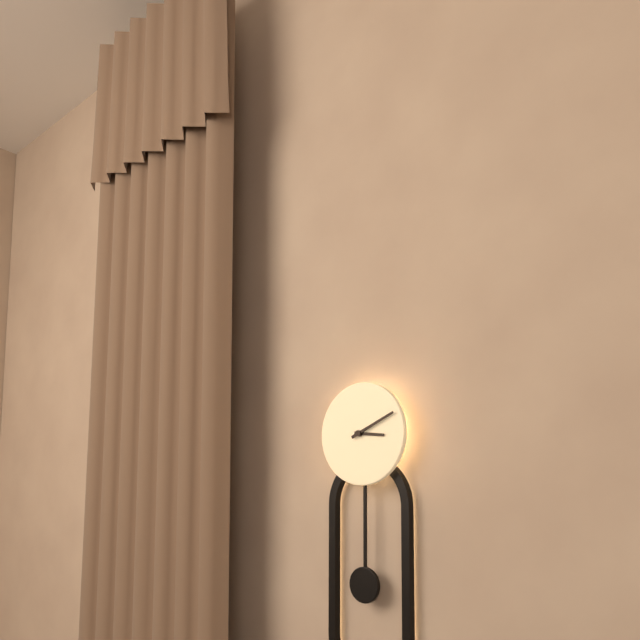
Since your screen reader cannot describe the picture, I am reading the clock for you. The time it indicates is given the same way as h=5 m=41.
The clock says h=3 m=11
